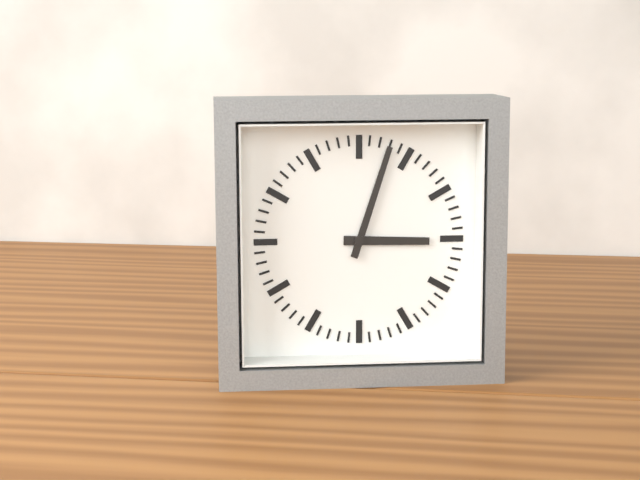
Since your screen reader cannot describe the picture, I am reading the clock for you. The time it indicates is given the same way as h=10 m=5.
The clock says h=3 m=3
